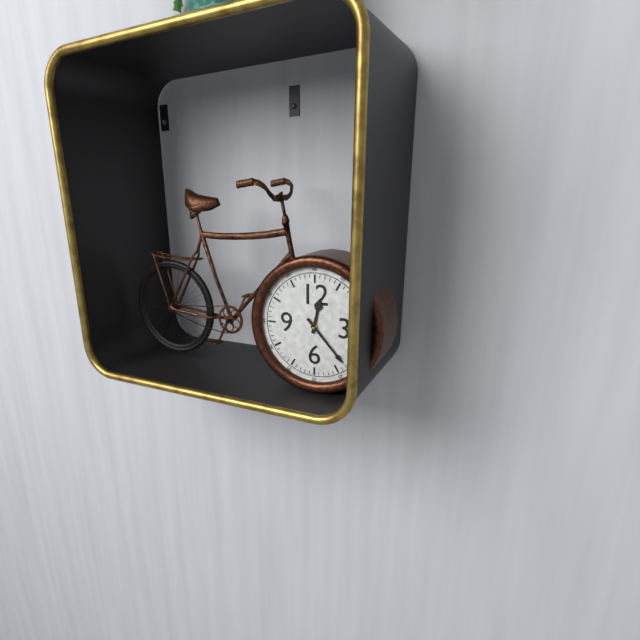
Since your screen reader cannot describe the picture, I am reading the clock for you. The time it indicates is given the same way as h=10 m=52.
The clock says h=12 m=23
